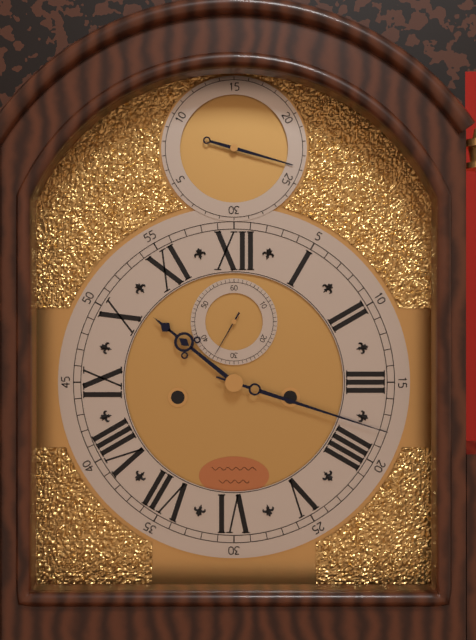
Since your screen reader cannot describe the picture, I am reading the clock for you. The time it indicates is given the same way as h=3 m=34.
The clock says h=10 m=18
